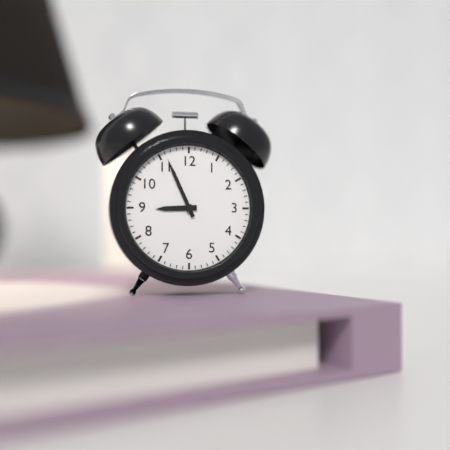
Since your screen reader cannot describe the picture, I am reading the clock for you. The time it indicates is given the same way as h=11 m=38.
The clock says h=8 m=56
